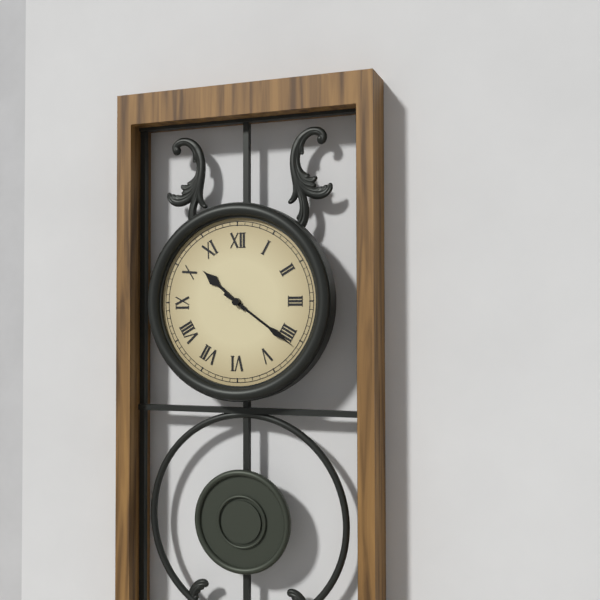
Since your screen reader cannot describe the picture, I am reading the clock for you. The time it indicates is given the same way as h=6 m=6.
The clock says h=10 m=21
